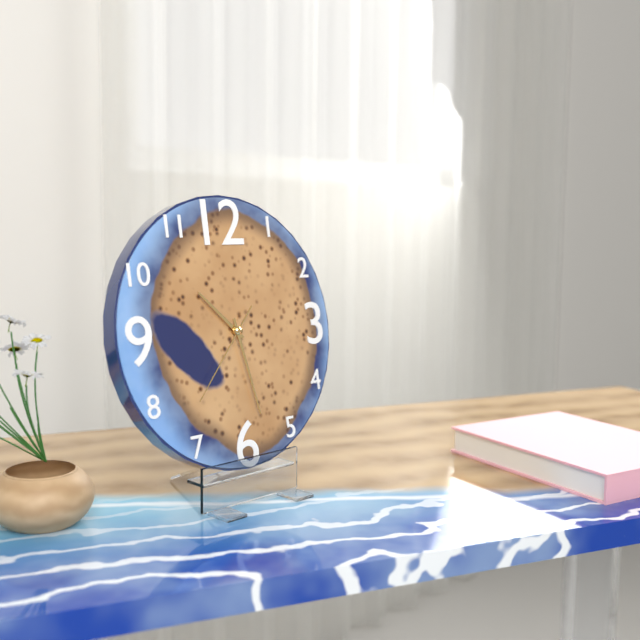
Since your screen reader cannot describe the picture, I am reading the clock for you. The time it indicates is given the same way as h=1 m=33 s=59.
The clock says h=10 m=28 s=37
